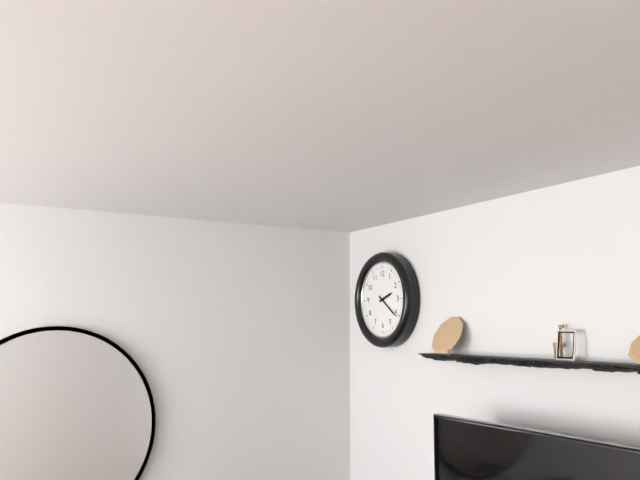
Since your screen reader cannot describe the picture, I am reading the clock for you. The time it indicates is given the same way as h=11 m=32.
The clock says h=2 m=21
